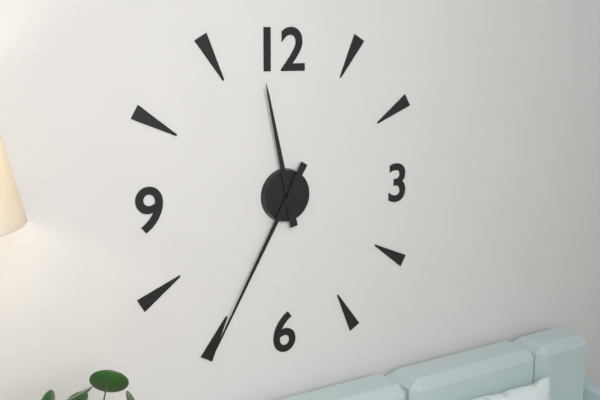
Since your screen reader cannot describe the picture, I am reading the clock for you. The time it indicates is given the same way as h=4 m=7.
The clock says h=11 m=35
